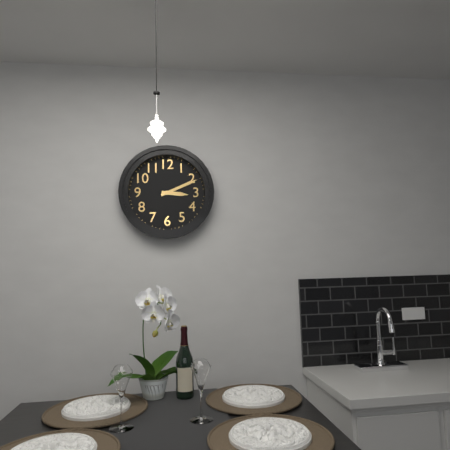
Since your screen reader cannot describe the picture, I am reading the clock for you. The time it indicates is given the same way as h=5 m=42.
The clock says h=3 m=11
